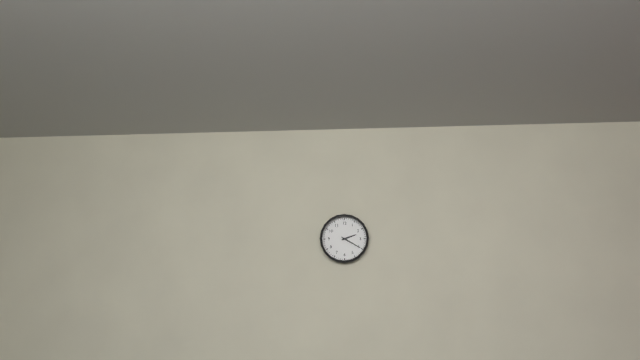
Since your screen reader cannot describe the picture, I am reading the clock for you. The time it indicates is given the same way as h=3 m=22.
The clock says h=2 m=20
